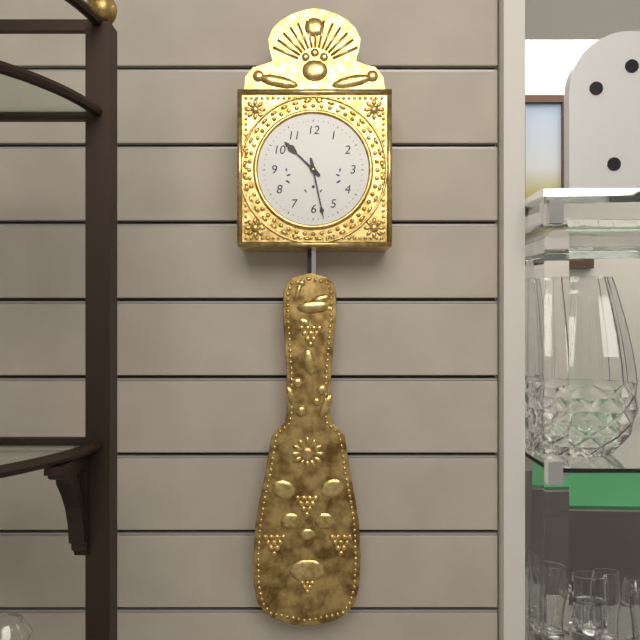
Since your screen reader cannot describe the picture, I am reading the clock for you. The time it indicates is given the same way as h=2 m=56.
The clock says h=10 m=28
